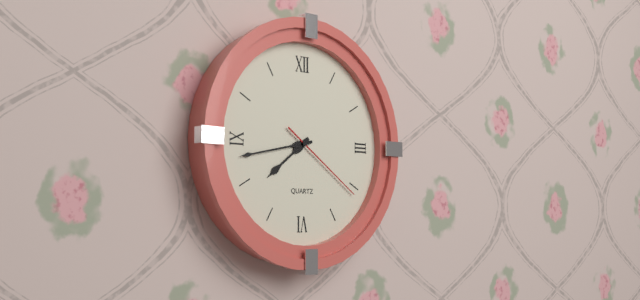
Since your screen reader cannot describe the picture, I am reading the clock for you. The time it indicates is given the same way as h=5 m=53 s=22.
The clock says h=7 m=43 s=21
